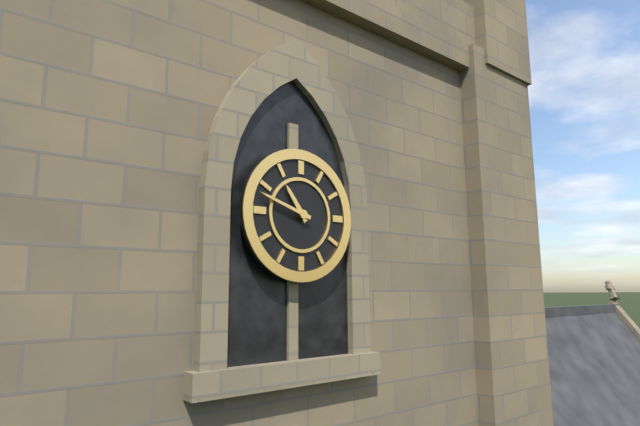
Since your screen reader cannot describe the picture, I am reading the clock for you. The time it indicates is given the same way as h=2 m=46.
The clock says h=10 m=48
